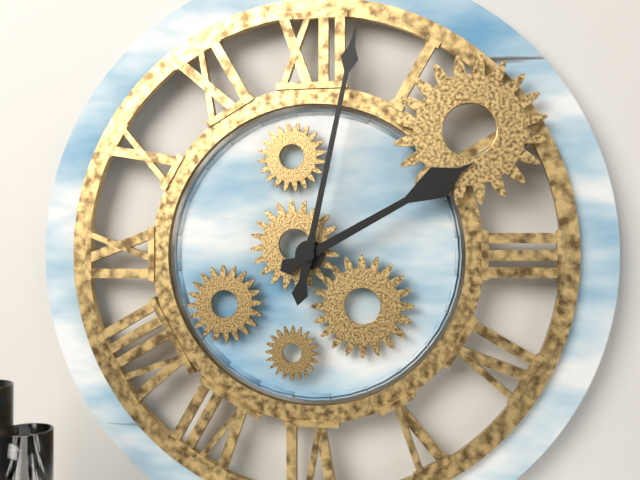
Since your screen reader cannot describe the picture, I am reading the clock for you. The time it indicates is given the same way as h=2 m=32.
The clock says h=2 m=2
